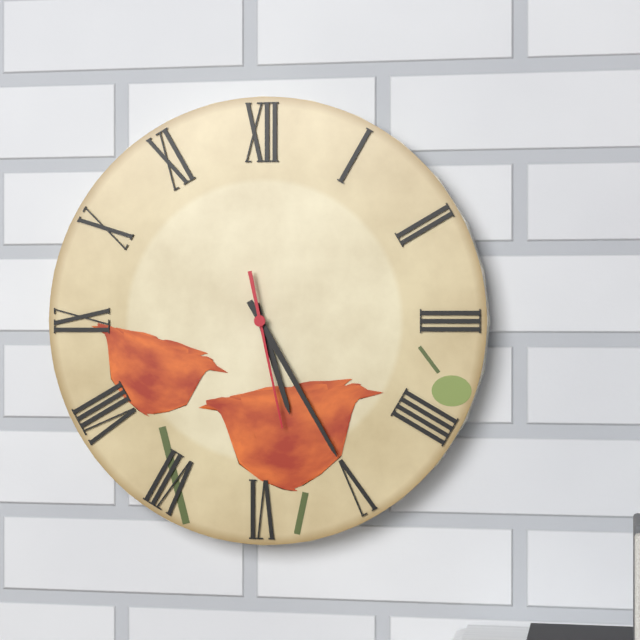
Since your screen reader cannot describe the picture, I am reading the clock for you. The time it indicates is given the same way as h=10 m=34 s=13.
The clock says h=5 m=25 s=28
